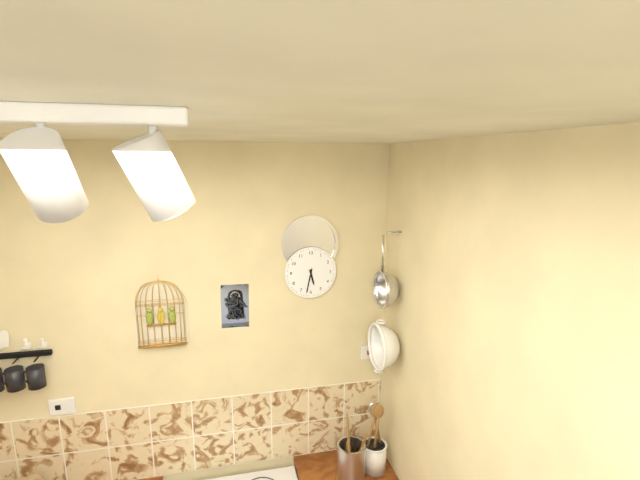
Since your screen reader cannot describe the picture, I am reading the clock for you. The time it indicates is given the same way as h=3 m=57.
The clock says h=5 m=32
